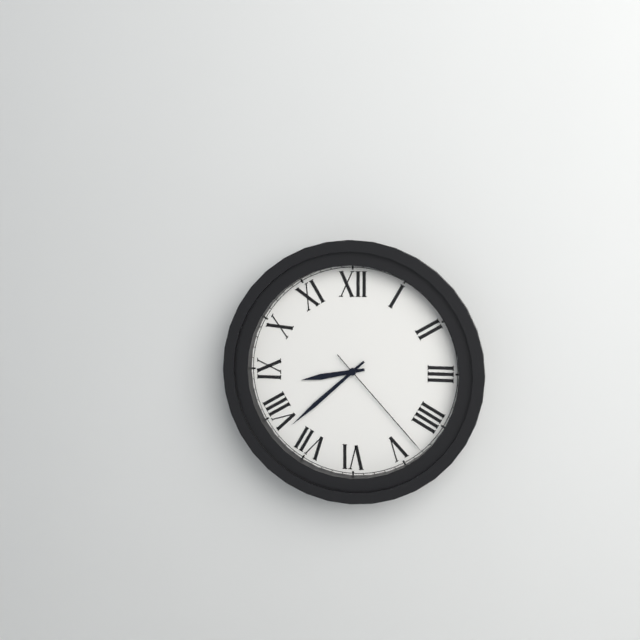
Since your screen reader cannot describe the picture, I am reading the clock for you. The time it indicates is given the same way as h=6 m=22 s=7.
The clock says h=8 m=38 s=23
